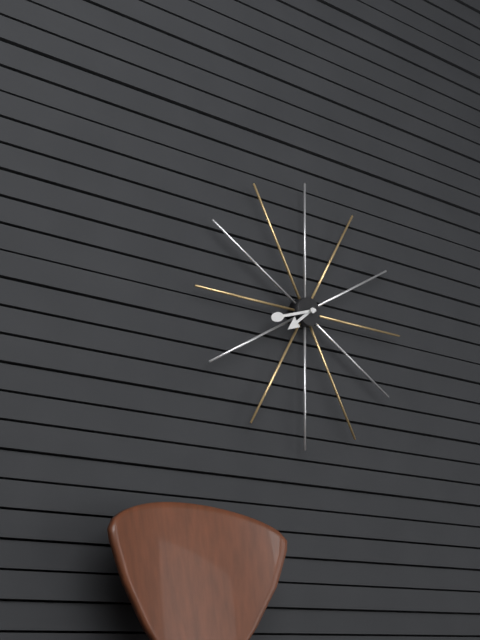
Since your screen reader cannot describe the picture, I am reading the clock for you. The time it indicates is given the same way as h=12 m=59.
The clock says h=7 m=42
